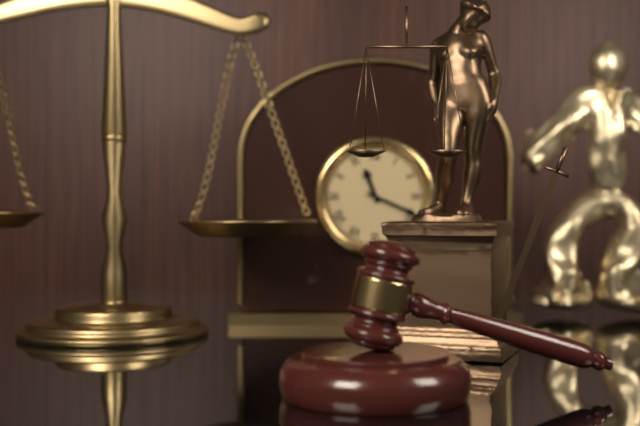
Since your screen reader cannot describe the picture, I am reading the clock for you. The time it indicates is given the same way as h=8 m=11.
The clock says h=11 m=19
